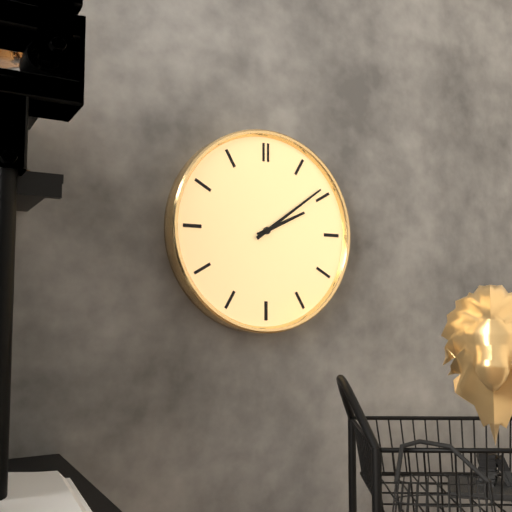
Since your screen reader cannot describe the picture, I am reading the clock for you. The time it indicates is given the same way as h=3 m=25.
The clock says h=2 m=9
